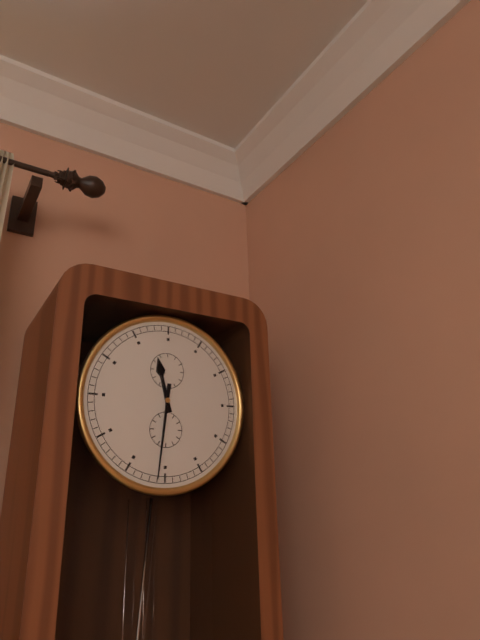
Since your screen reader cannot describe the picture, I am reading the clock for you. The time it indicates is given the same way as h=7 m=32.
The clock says h=11 m=31
